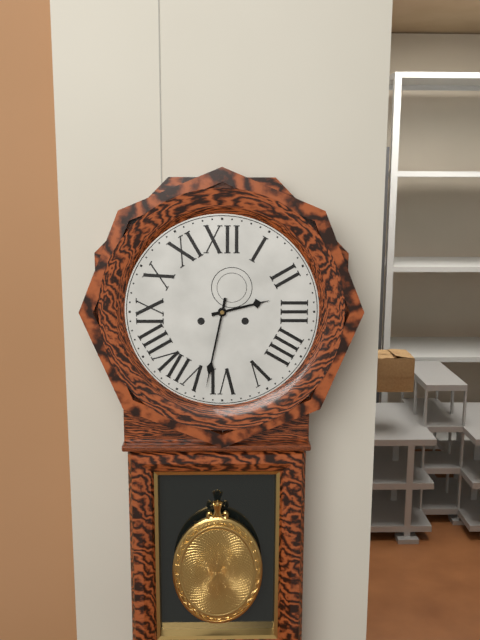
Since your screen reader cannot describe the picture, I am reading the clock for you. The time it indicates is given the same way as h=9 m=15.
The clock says h=2 m=32
